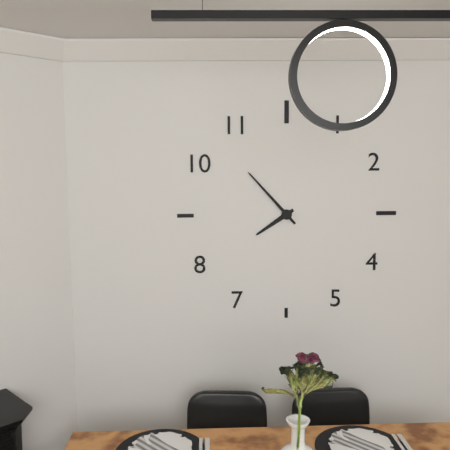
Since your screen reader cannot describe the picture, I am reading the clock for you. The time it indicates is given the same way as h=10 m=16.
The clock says h=7 m=53
